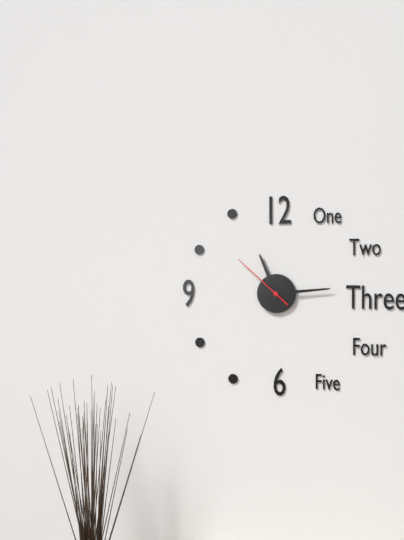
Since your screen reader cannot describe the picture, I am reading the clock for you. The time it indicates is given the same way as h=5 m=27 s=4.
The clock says h=11 m=14 s=52
